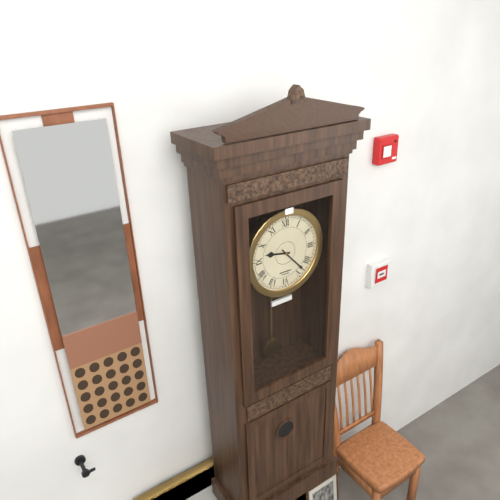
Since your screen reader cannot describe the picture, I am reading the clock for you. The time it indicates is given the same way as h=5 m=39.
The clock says h=9 m=23
